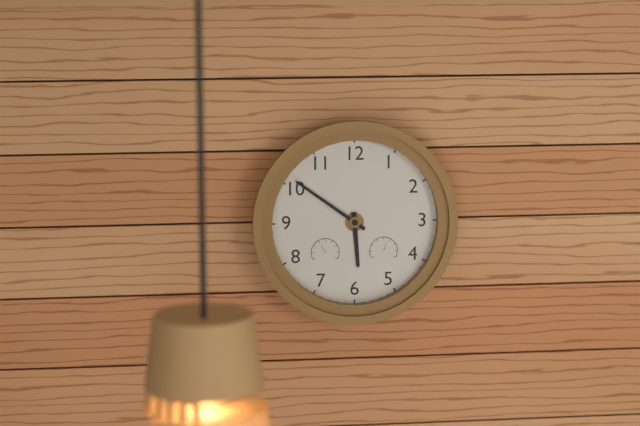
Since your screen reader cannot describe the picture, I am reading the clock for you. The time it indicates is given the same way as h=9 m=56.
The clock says h=5 m=51
